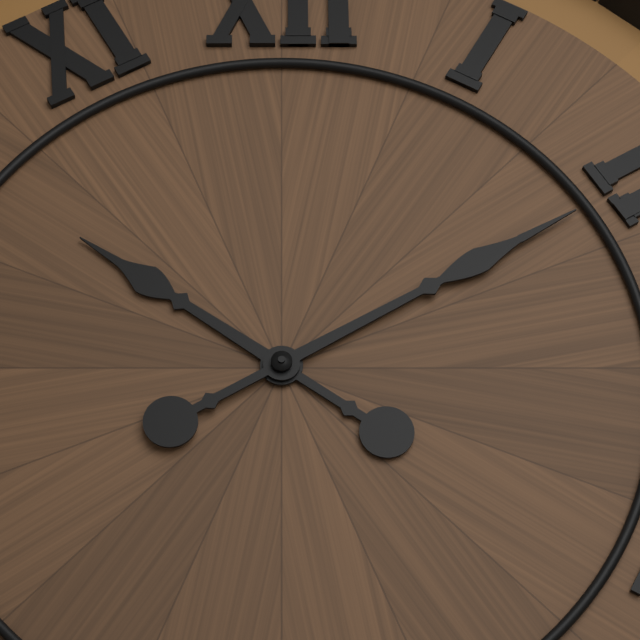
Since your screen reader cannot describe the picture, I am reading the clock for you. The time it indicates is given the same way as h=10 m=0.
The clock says h=10 m=10
